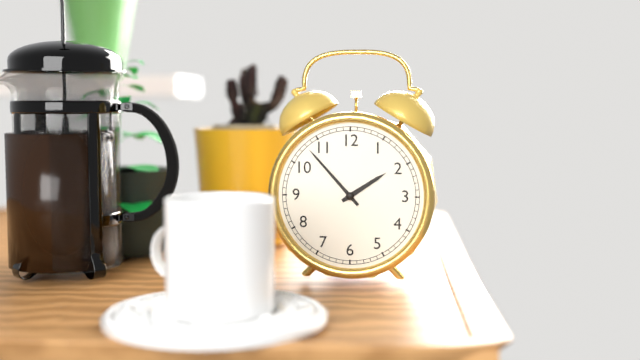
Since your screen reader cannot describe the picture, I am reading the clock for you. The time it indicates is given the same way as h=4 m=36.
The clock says h=1 m=53
